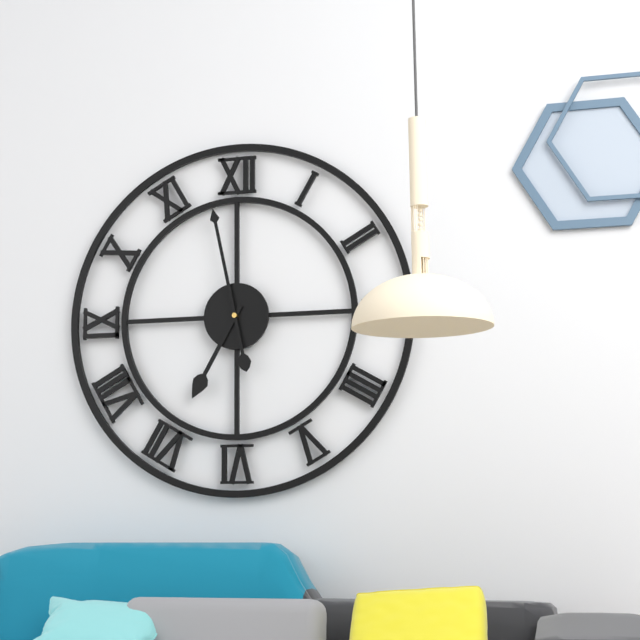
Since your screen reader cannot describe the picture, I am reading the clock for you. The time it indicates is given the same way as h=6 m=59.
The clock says h=6 m=58
